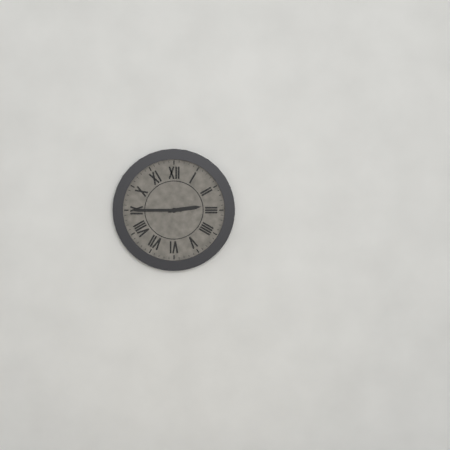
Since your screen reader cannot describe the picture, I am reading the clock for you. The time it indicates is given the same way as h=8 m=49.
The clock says h=2 m=45
